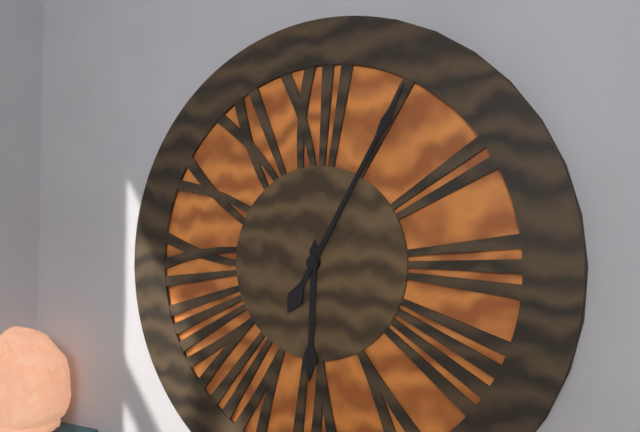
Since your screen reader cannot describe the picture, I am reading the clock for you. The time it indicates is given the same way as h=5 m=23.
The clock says h=6 m=5
